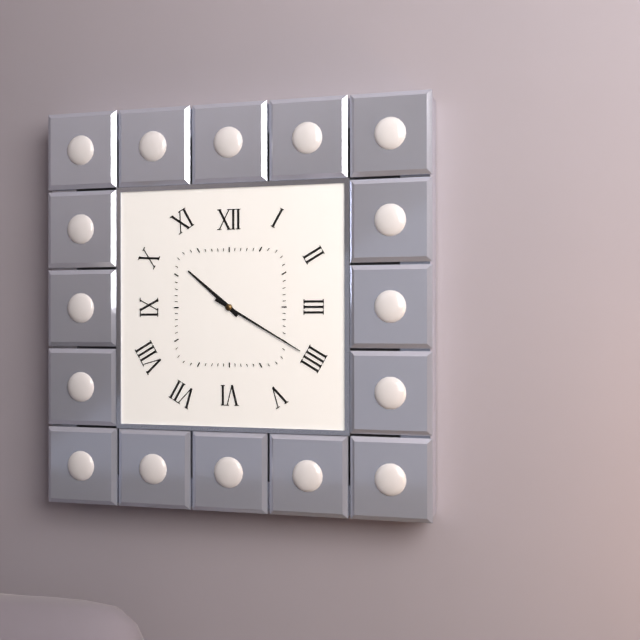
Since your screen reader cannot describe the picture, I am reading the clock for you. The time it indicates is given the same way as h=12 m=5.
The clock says h=10 m=20
